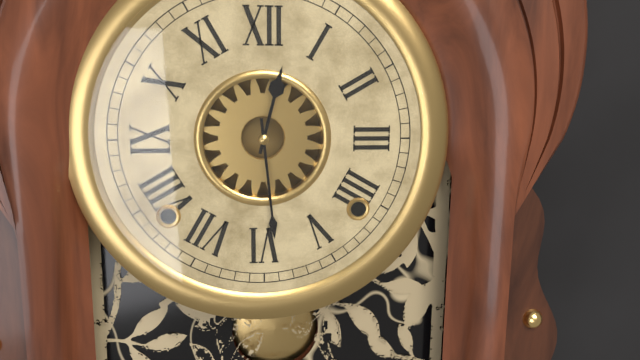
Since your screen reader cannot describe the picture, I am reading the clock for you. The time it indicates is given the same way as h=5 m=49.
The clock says h=12 m=29
